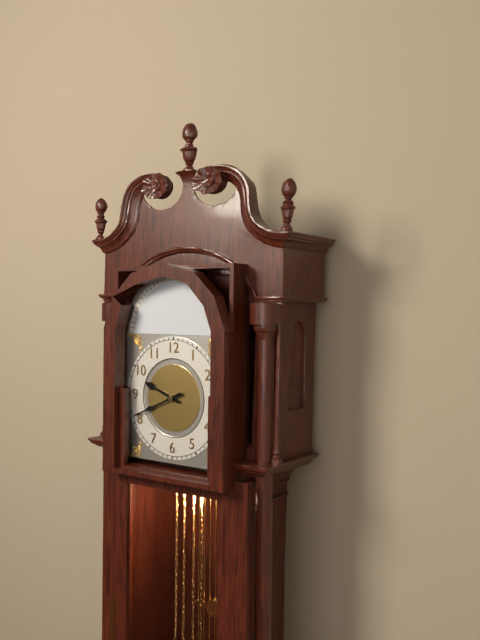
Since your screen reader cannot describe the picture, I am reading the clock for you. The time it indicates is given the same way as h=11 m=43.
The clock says h=9 m=41
